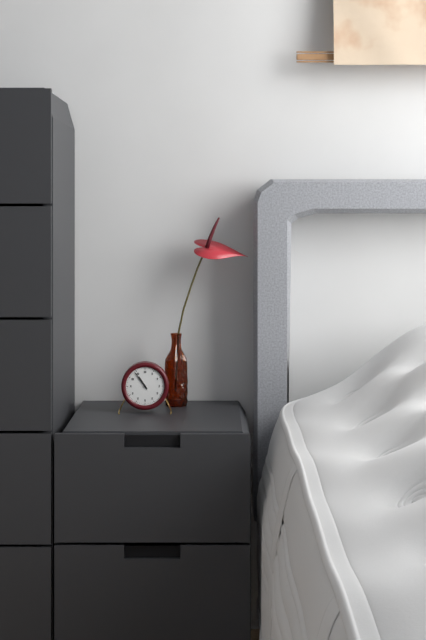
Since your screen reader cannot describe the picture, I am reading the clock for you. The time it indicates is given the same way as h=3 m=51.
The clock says h=10 m=54
